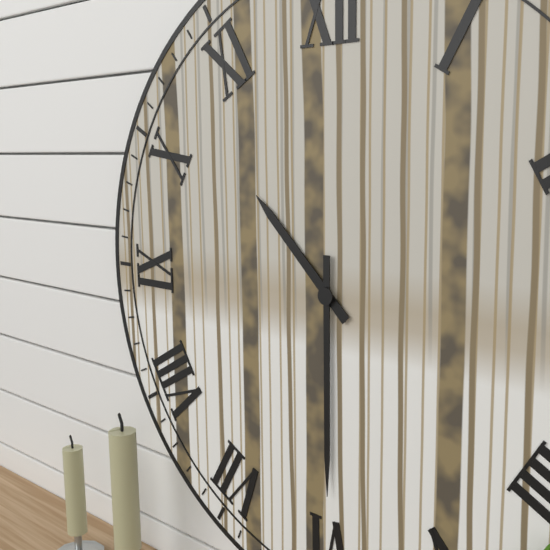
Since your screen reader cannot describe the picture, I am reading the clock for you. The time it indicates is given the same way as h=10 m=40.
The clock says h=10 m=30
